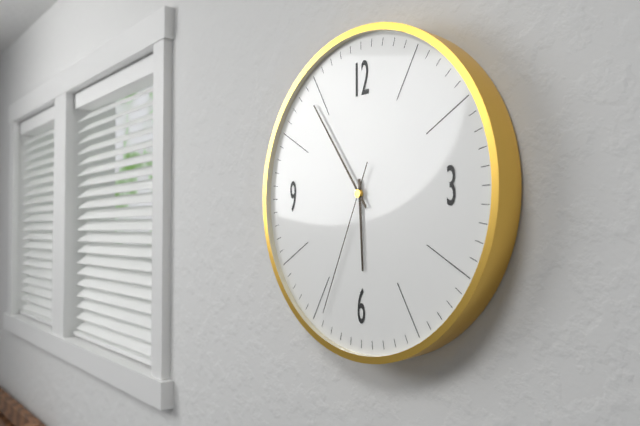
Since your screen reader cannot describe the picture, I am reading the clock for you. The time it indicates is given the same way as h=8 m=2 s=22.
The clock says h=5 m=54 s=34
